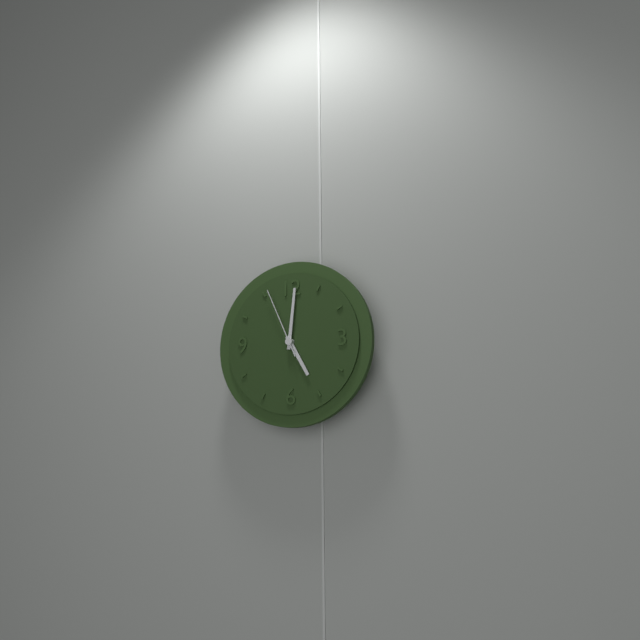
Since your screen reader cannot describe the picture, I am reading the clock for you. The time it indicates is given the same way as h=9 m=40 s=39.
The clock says h=5 m=1 s=56
